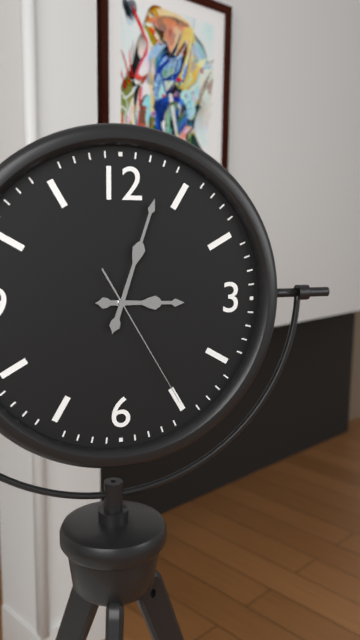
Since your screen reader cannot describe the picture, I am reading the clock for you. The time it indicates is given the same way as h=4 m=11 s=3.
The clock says h=3 m=3 s=25
